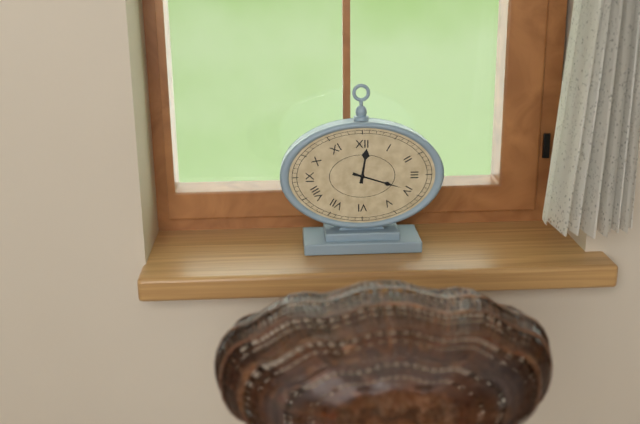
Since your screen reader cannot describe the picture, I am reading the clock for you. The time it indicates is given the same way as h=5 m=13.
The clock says h=12 m=18
